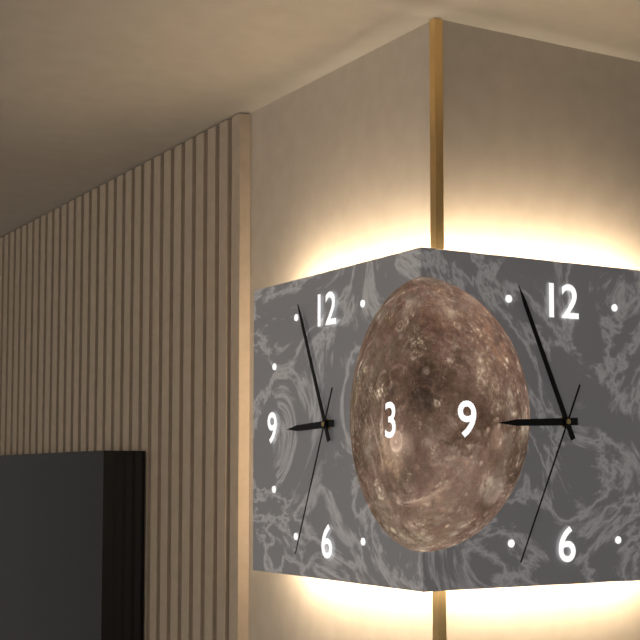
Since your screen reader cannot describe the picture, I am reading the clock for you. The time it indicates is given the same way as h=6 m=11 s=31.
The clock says h=8 m=56 s=34
